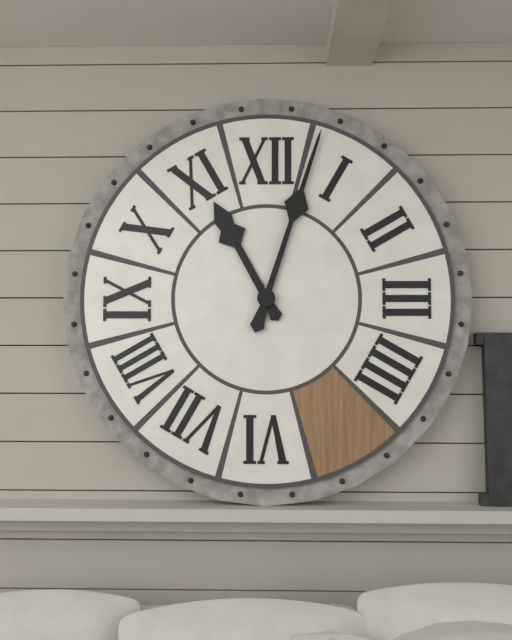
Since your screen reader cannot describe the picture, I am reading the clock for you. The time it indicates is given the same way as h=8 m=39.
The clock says h=11 m=3
